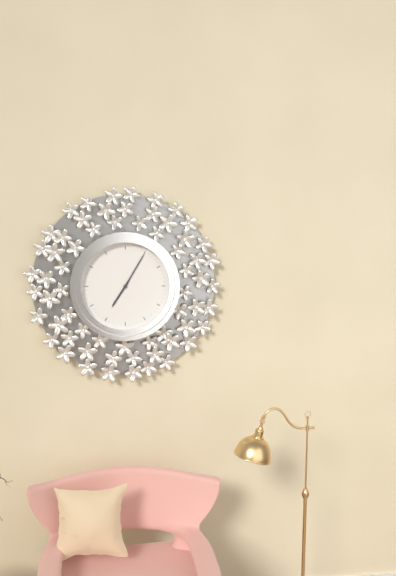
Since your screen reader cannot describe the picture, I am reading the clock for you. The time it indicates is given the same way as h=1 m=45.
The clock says h=7 m=5
